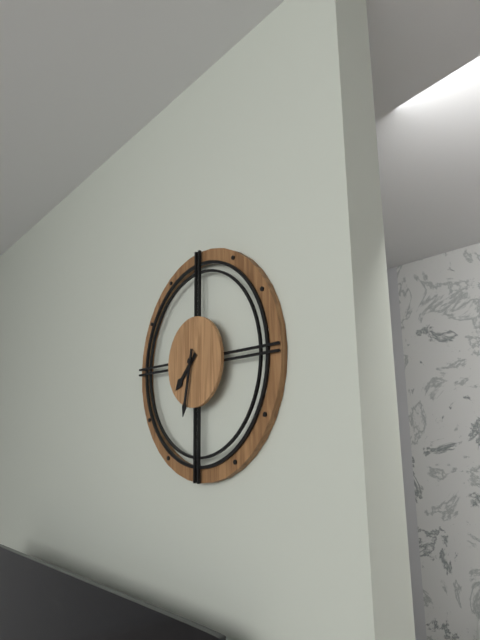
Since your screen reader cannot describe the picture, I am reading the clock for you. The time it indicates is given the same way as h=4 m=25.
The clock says h=7 m=32
